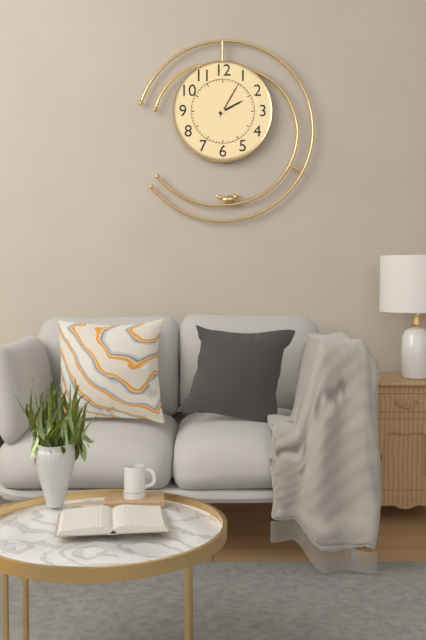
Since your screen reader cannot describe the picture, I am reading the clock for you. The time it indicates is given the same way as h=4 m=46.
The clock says h=2 m=5
